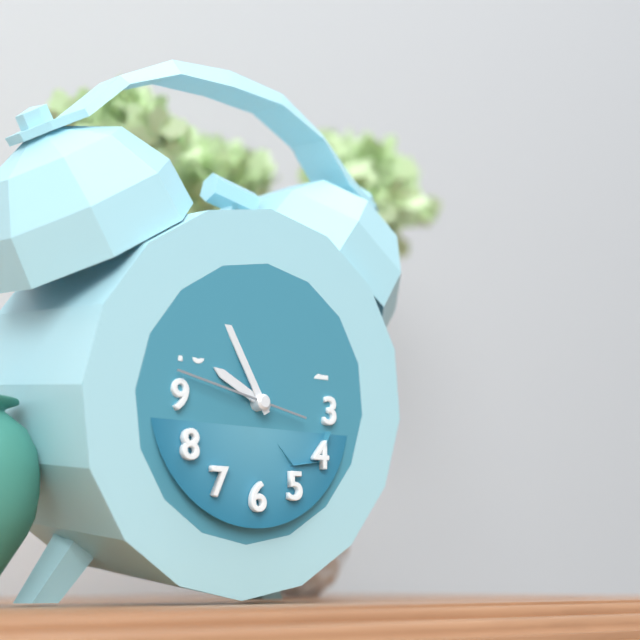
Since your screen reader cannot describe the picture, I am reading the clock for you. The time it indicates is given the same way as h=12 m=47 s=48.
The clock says h=9 m=55 s=47
